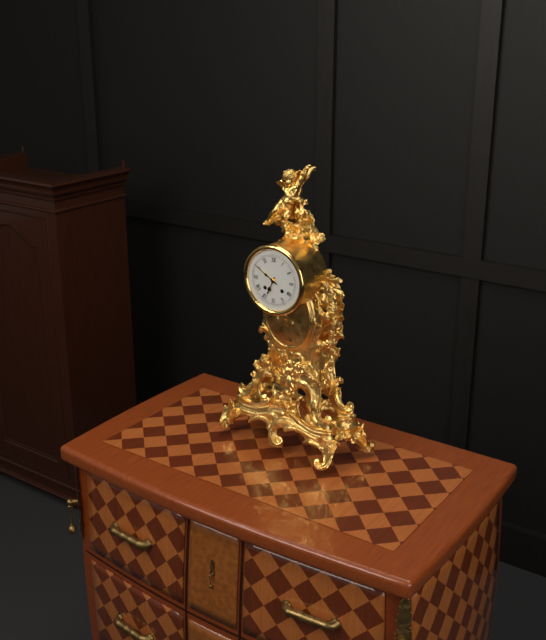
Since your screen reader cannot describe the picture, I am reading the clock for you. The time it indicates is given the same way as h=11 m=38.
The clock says h=6 m=50
